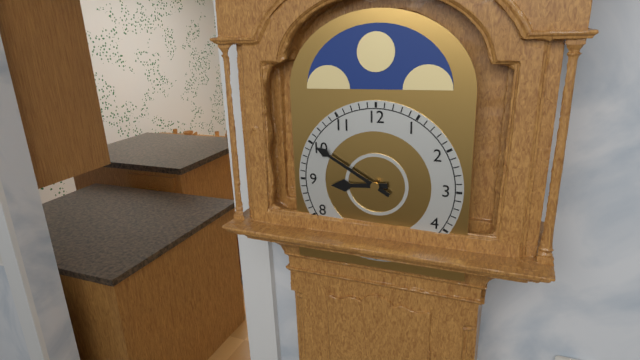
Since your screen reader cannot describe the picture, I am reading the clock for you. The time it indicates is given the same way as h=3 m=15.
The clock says h=8 m=50
